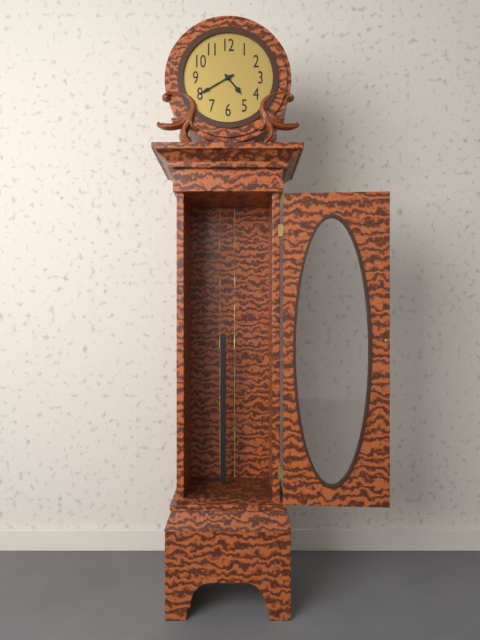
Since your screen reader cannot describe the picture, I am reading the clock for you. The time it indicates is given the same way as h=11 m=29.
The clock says h=4 m=40
